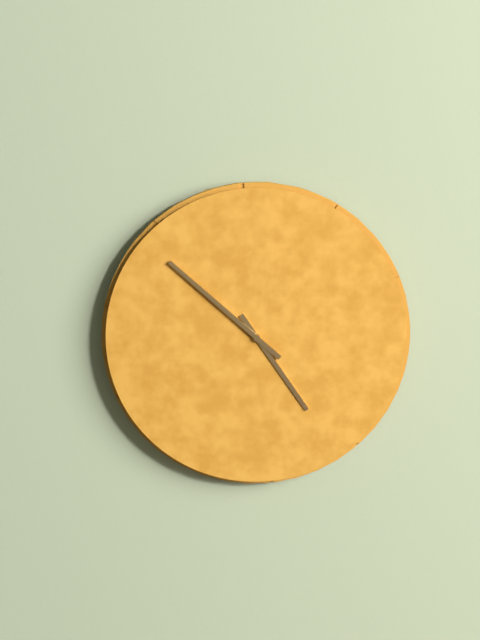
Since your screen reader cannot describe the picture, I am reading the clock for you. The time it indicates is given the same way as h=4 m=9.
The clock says h=4 m=52
